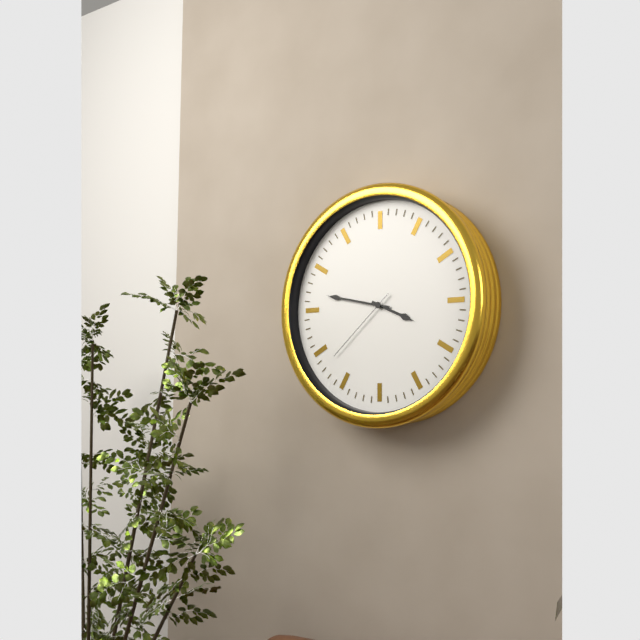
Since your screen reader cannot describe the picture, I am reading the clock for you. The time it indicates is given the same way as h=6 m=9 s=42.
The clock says h=3 m=47 s=38
